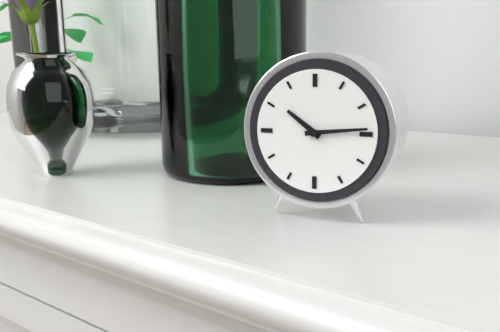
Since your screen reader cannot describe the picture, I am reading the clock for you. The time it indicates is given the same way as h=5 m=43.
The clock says h=10 m=14
